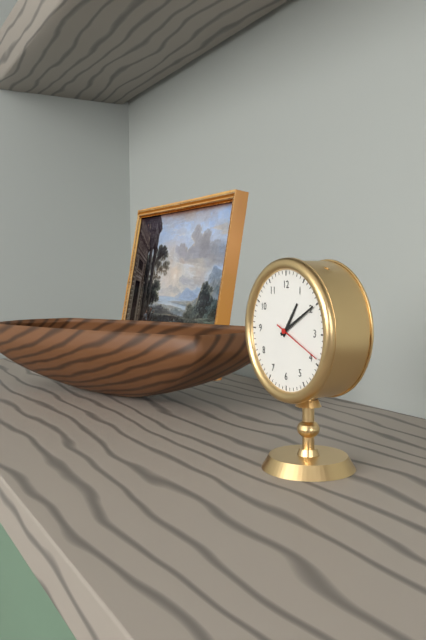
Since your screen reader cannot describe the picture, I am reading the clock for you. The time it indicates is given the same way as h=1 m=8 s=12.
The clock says h=1 m=10 s=19
